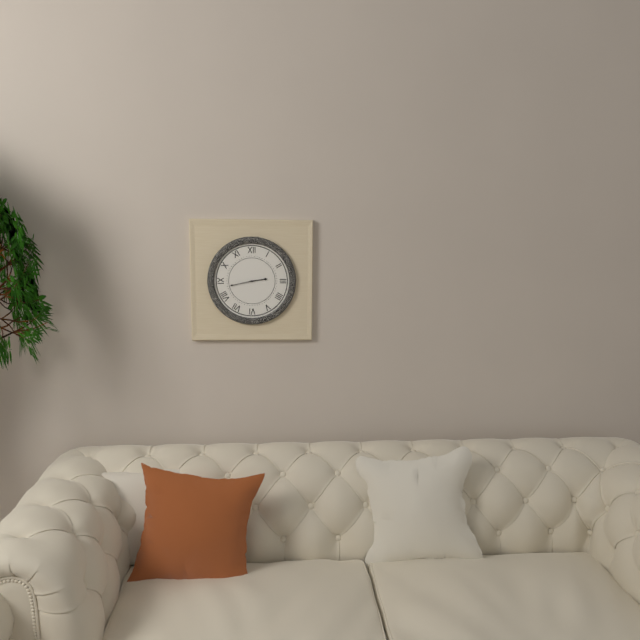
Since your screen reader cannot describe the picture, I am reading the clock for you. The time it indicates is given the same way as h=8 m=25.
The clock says h=2 m=43
